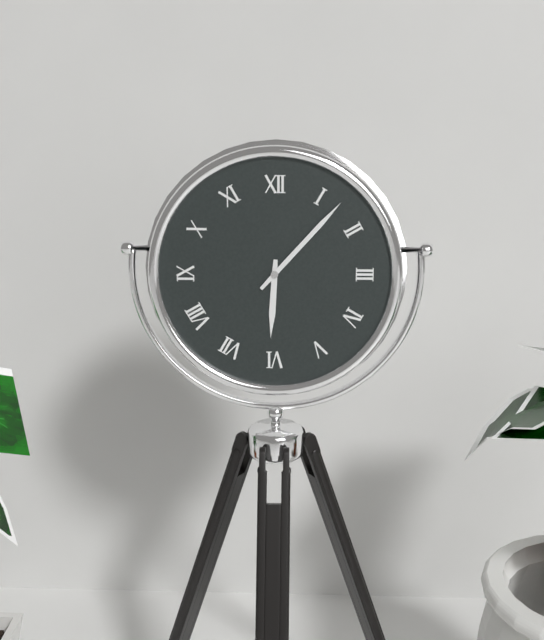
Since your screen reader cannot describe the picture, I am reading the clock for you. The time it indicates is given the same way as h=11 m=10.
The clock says h=6 m=7
